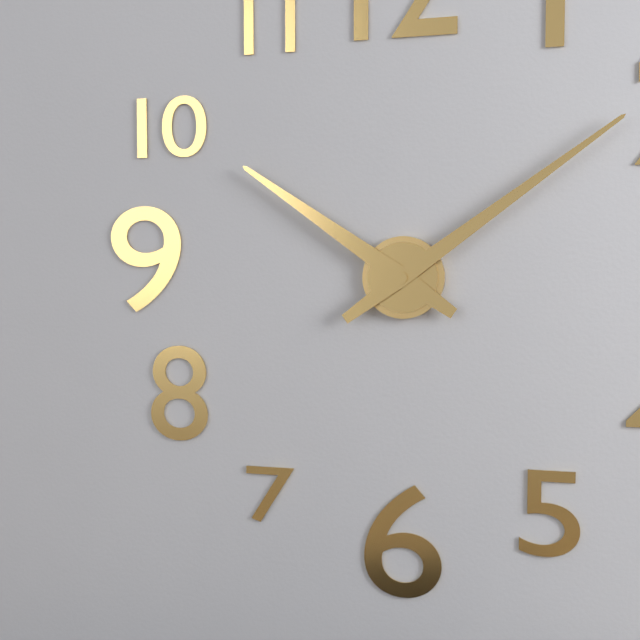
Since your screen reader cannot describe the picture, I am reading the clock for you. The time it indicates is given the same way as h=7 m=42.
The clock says h=10 m=9
